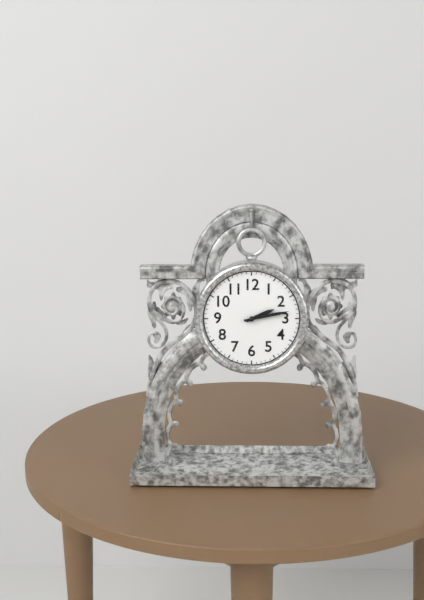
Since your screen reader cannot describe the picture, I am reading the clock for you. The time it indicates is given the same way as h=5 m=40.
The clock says h=2 m=13
